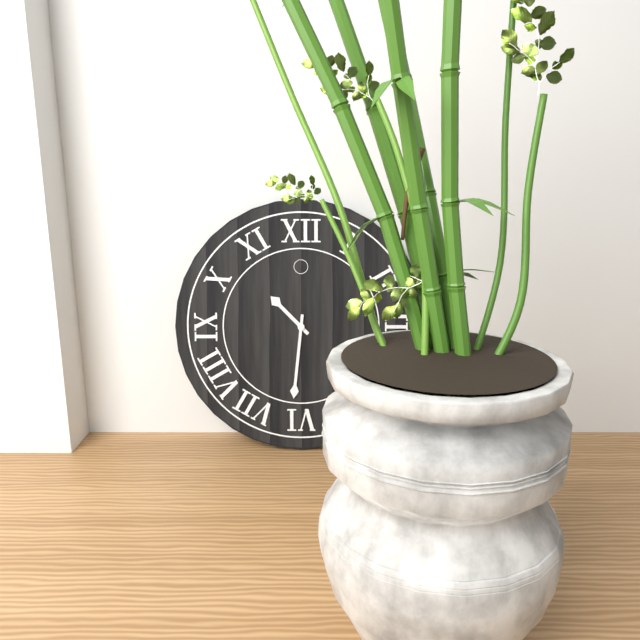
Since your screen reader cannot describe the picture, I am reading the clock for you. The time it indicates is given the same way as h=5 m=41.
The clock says h=10 m=31
